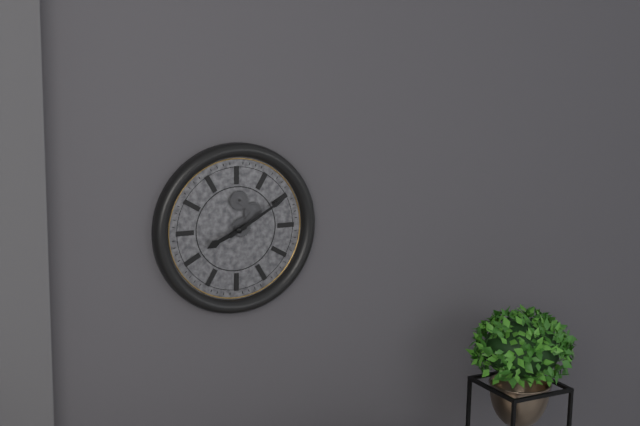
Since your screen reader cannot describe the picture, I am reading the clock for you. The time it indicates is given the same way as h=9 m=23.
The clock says h=8 m=10
